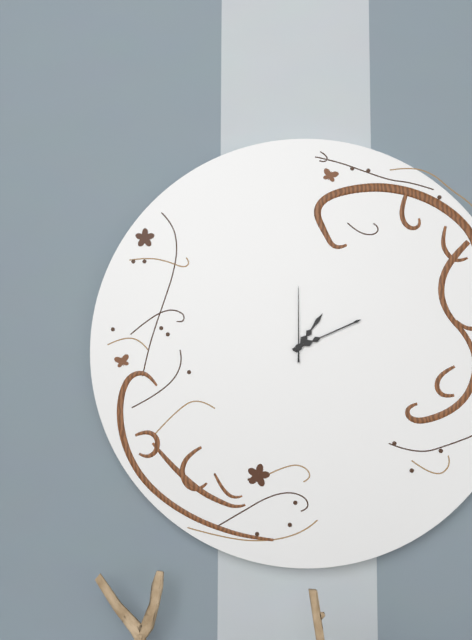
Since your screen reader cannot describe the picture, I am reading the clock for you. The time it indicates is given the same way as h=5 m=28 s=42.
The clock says h=1 m=11 s=0
